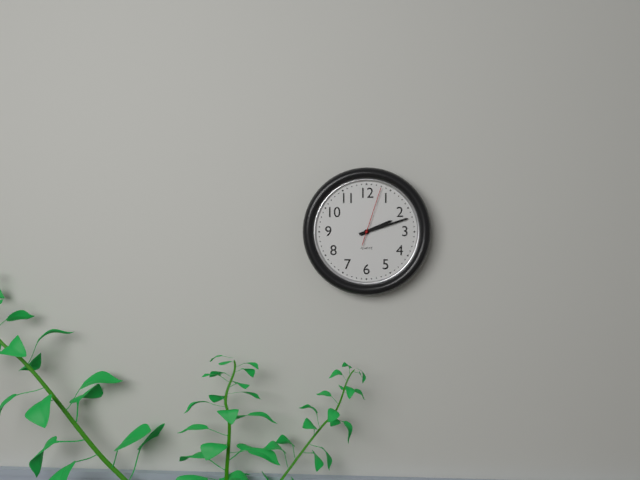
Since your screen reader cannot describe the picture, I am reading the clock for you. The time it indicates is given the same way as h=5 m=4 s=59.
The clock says h=2 m=12 s=3
